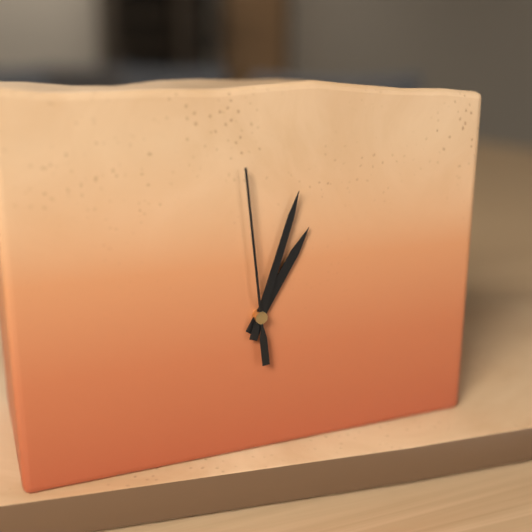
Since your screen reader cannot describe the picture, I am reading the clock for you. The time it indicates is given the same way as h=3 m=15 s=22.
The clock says h=1 m=3 s=59
